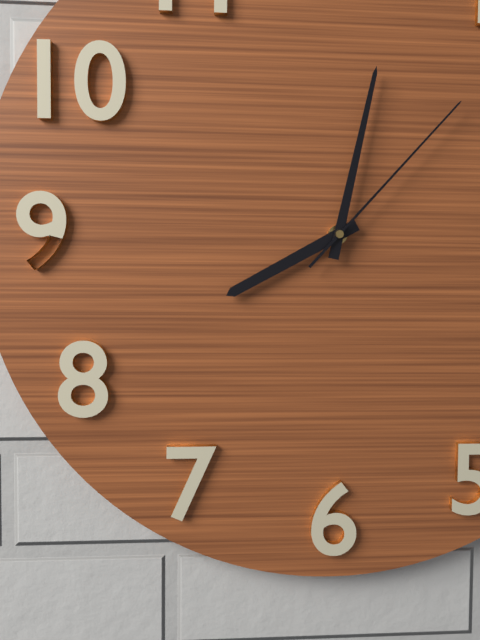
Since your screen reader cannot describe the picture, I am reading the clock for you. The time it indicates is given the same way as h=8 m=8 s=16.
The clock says h=8 m=2 s=7
